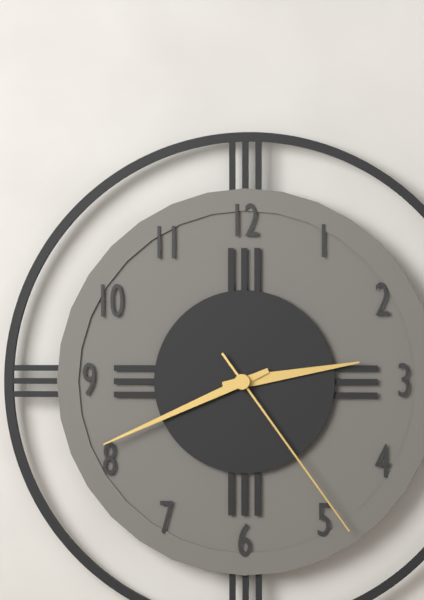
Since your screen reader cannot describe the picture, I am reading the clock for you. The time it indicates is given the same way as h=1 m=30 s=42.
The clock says h=2 m=41 s=24
